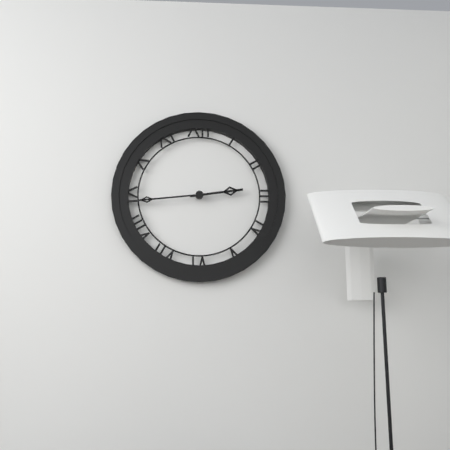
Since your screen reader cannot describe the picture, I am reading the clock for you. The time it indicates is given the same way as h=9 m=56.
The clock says h=2 m=44
